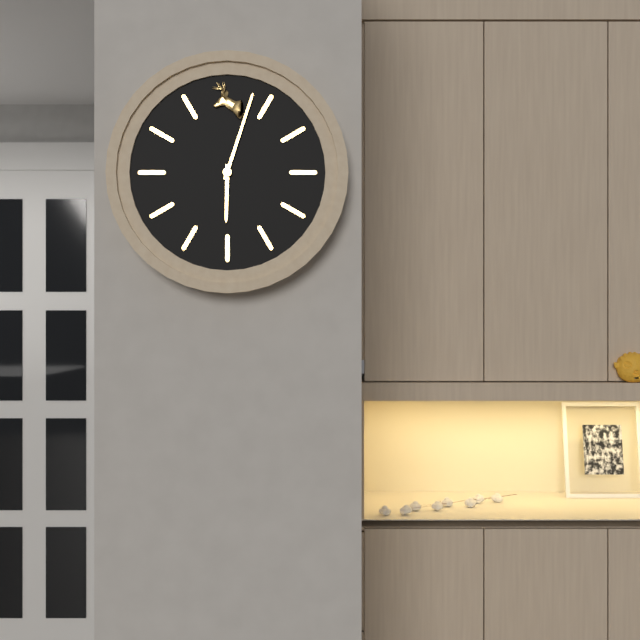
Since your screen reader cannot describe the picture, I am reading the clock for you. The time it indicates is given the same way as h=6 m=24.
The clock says h=6 m=3
